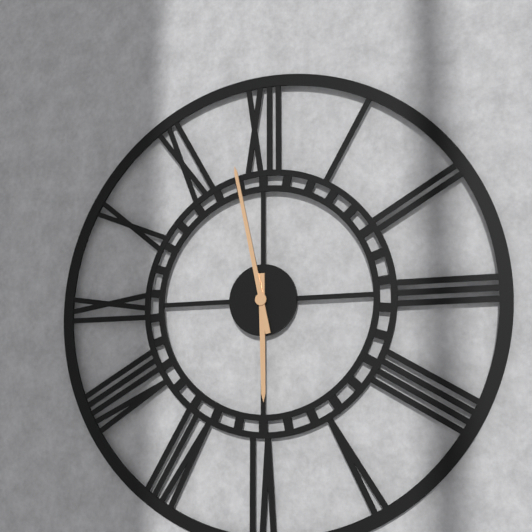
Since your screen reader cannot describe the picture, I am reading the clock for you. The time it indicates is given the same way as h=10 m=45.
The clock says h=5 m=58
